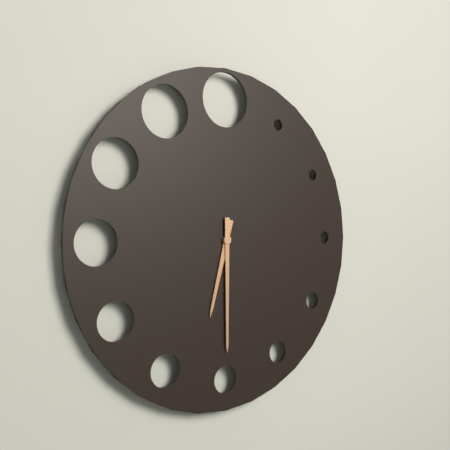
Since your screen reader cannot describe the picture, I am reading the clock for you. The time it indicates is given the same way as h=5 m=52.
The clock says h=6 m=30
